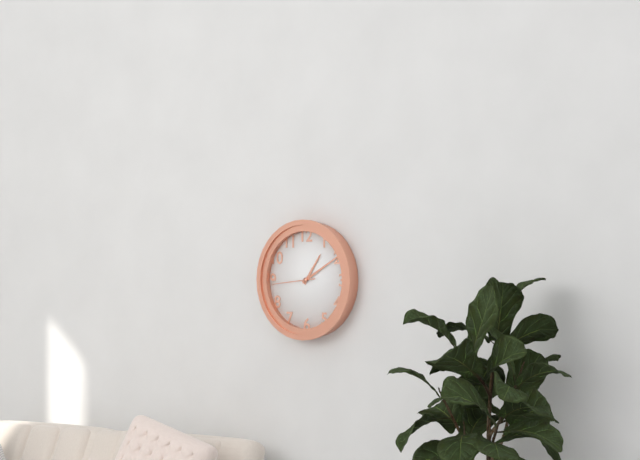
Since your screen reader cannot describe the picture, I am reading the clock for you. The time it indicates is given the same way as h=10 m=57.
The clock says h=1 m=10
